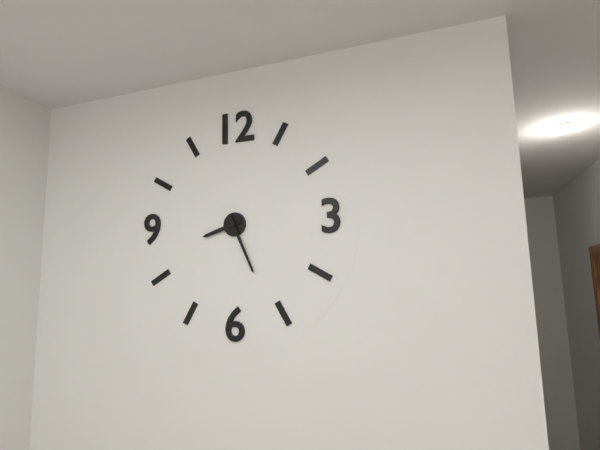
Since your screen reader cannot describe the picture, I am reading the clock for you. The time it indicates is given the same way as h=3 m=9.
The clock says h=8 m=26
